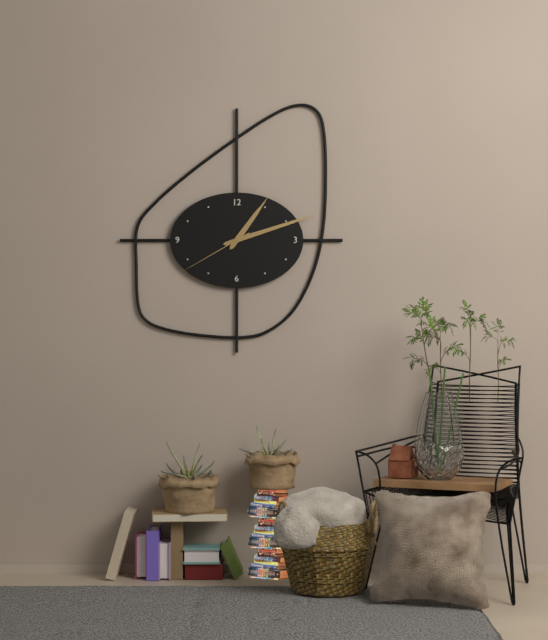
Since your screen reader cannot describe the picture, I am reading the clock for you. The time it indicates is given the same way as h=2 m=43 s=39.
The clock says h=1 m=12 s=40
